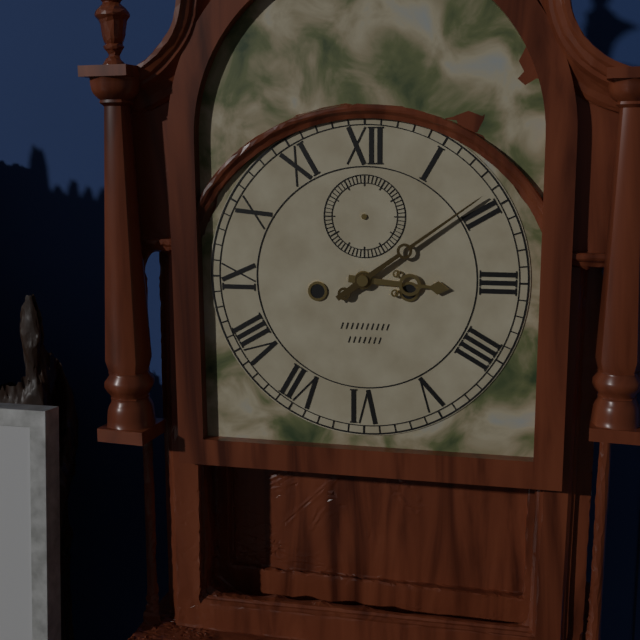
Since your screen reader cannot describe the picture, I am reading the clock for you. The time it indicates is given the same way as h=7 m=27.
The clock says h=3 m=9
